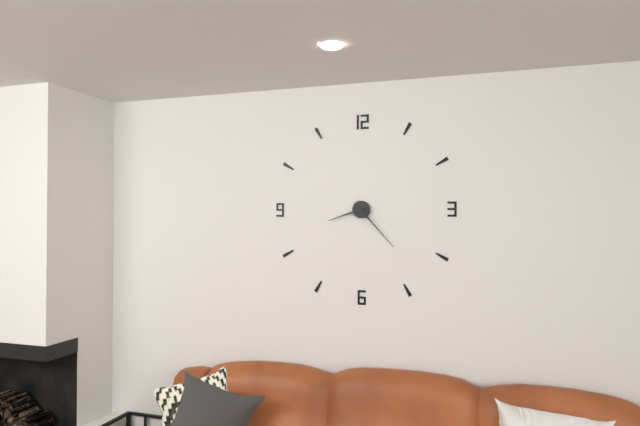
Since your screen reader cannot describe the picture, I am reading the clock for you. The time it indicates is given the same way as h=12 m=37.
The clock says h=8 m=23
